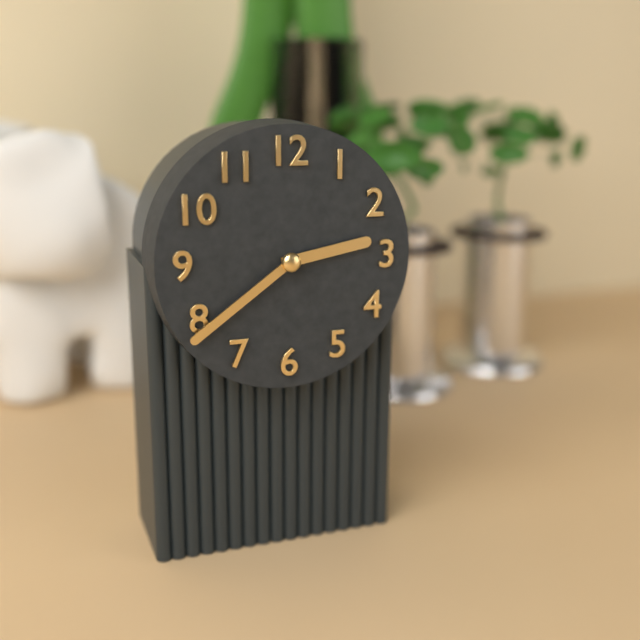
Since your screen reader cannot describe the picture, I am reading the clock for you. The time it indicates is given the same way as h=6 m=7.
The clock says h=2 m=39
